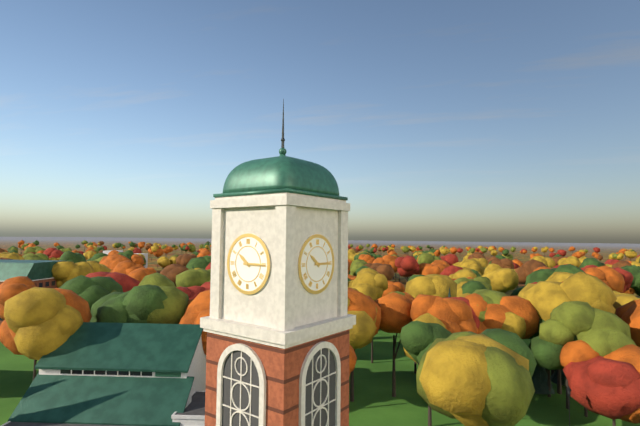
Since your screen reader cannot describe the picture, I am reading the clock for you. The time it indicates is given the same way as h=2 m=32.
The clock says h=10 m=15
